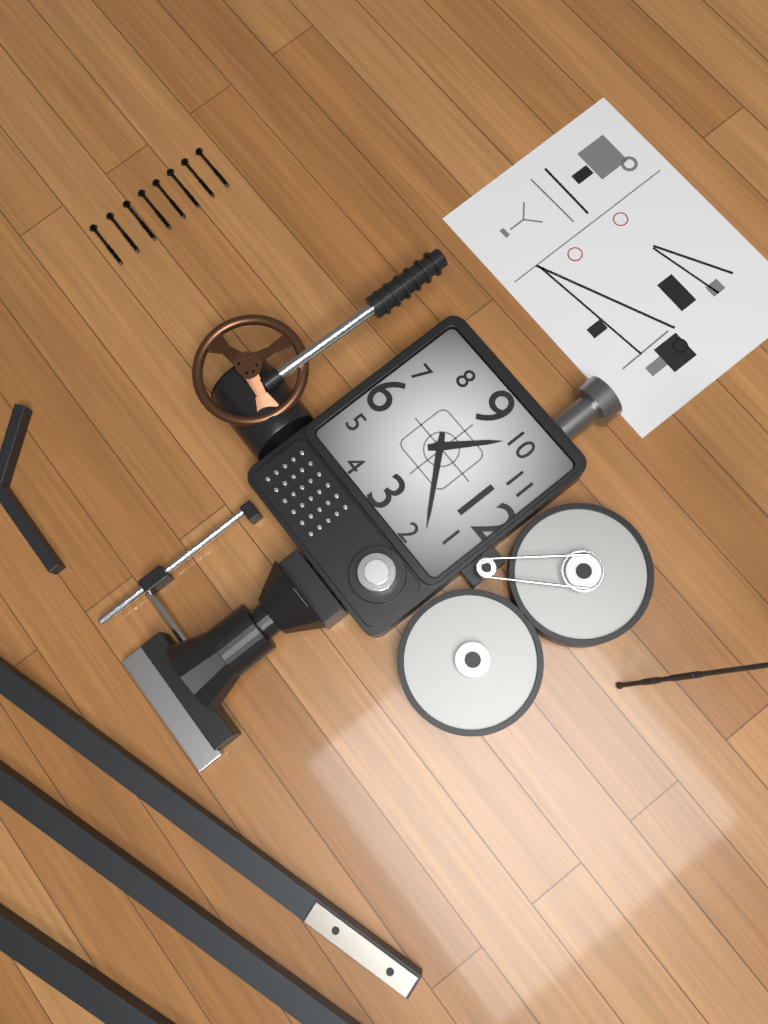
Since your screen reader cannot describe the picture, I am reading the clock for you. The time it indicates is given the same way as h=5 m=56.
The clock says h=10 m=8
